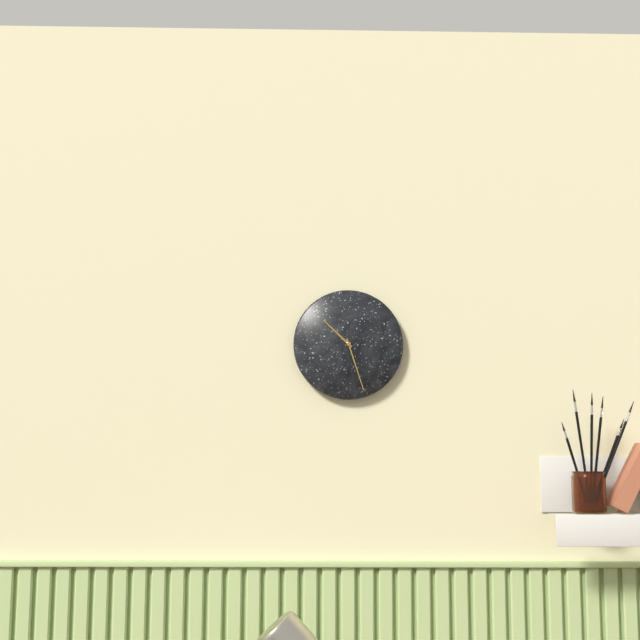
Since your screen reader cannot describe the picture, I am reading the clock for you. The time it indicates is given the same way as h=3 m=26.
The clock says h=10 m=27
